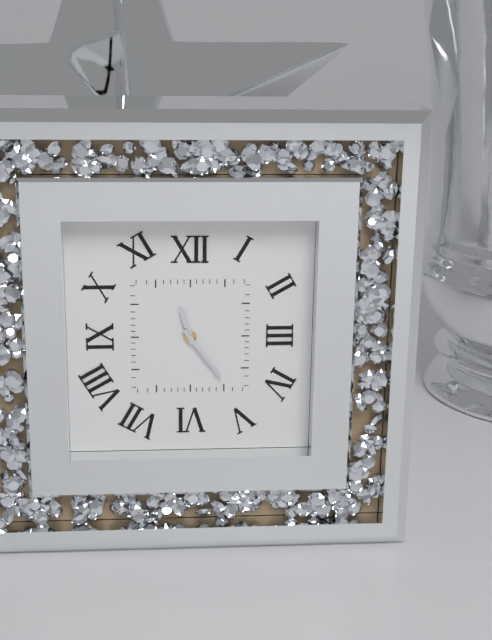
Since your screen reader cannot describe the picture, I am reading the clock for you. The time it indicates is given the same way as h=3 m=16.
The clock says h=11 m=24
